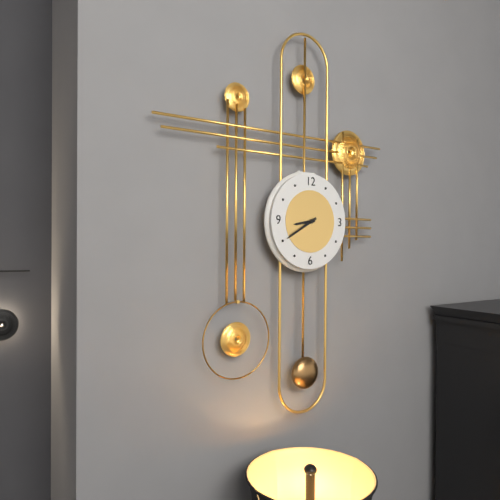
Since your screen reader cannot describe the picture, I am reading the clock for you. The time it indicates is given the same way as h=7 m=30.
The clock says h=8 m=40
